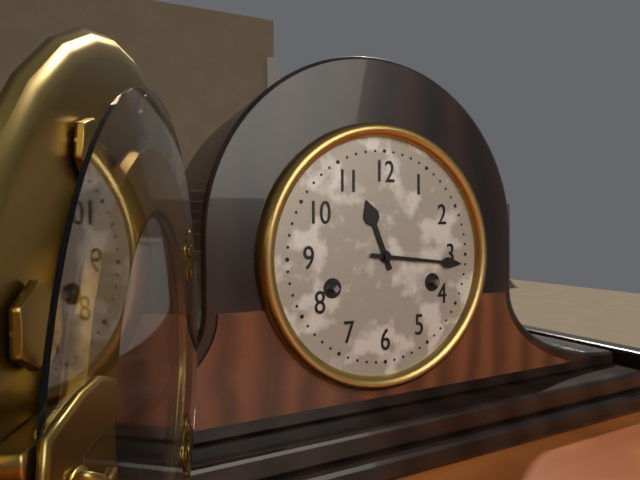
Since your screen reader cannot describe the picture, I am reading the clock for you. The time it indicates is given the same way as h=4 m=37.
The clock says h=11 m=16
